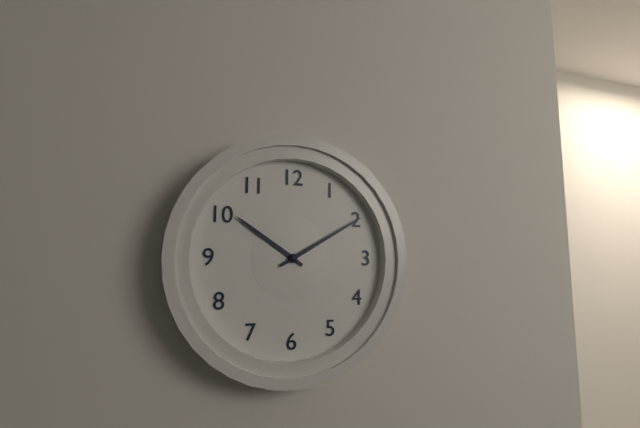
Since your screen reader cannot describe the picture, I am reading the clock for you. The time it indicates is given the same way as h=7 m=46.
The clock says h=10 m=10
